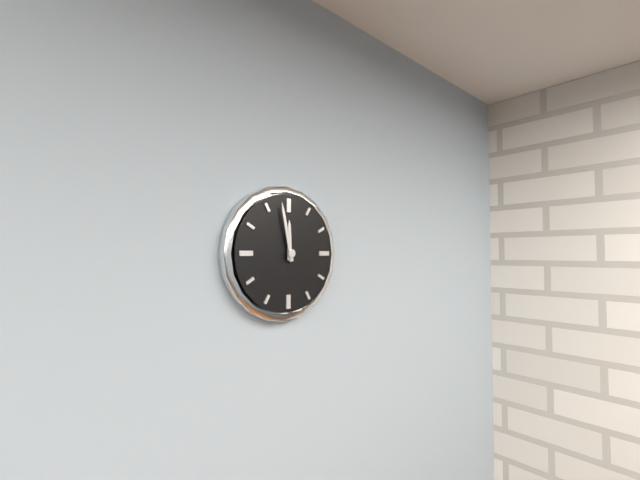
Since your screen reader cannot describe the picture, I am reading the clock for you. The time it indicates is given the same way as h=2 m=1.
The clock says h=11 m=58
